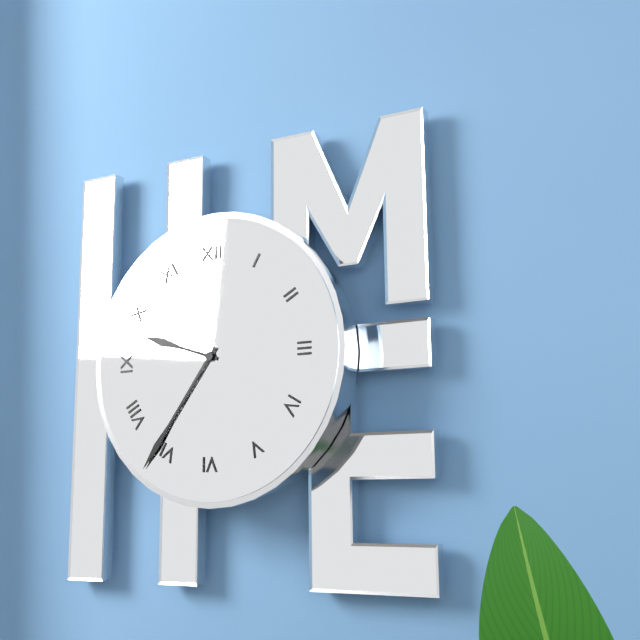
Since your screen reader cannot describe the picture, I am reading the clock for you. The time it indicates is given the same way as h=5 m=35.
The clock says h=9 m=36
